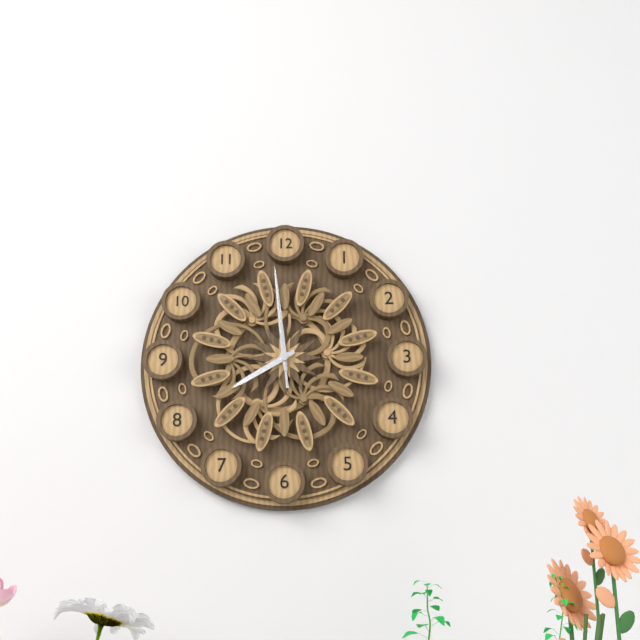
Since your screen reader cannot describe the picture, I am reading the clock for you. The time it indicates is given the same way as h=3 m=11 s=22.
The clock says h=7 m=59 s=59
